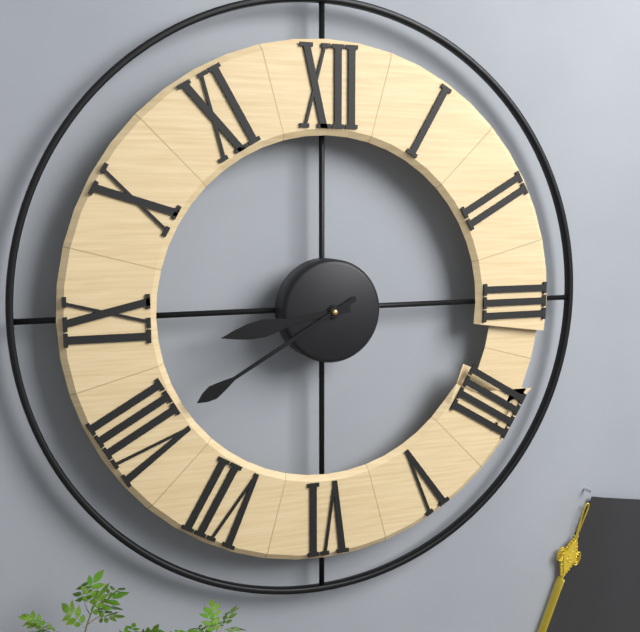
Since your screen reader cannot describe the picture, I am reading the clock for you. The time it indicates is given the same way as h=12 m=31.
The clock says h=8 m=40
